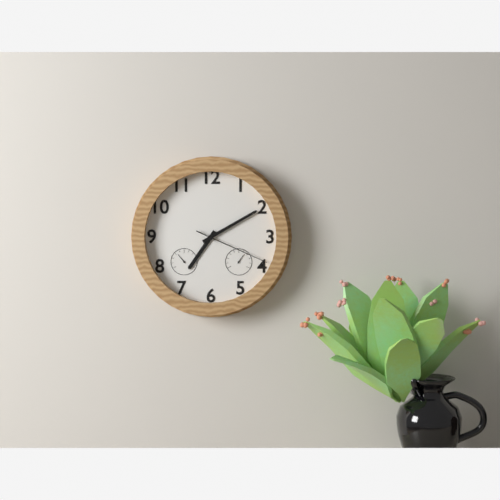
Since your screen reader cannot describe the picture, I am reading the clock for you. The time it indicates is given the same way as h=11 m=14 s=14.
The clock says h=7 m=10 s=19
